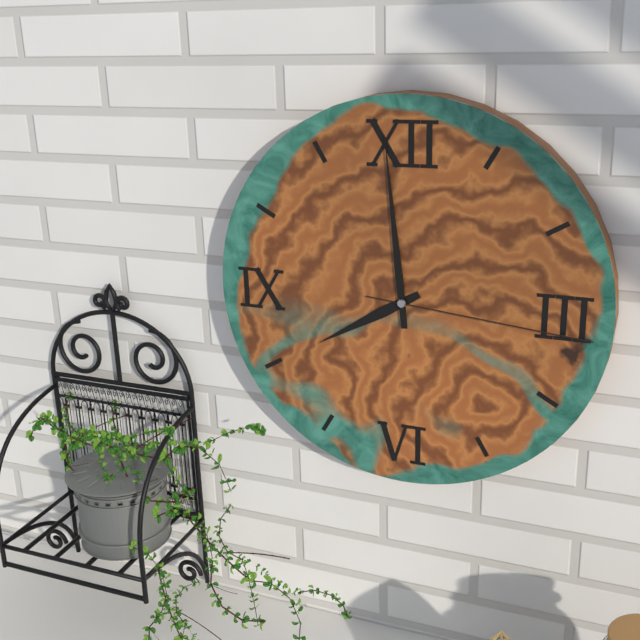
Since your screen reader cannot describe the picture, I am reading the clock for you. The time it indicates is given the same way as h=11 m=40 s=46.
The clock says h=7 m=59 s=16
